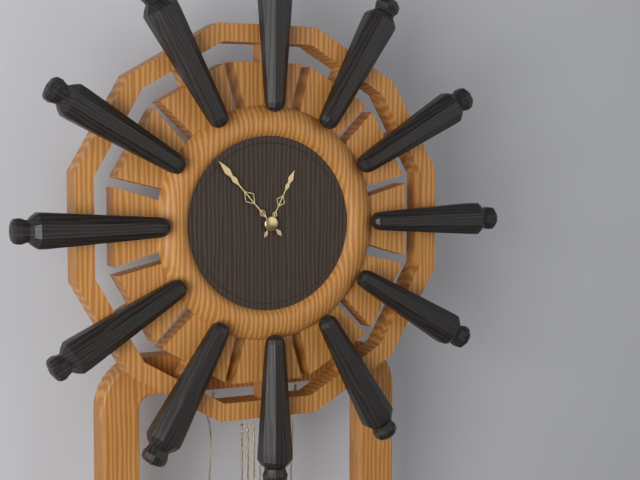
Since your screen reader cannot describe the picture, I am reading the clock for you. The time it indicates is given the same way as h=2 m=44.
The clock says h=12 m=53
